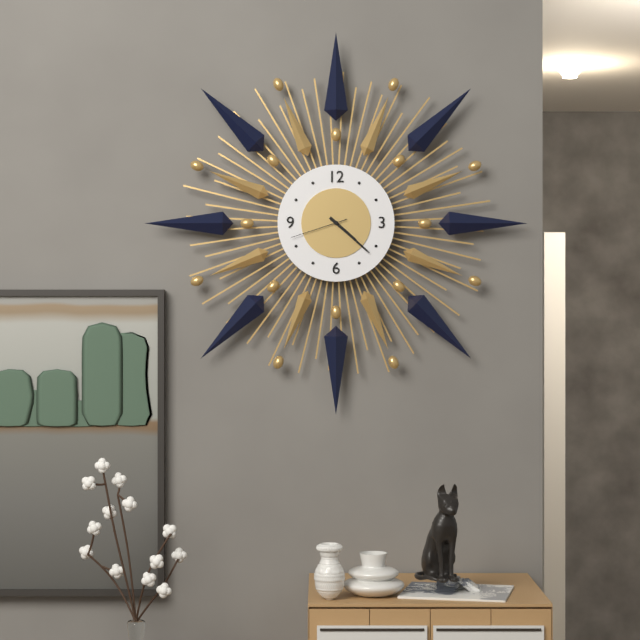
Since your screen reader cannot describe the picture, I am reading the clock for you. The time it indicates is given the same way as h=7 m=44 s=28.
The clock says h=4 m=22 s=42
